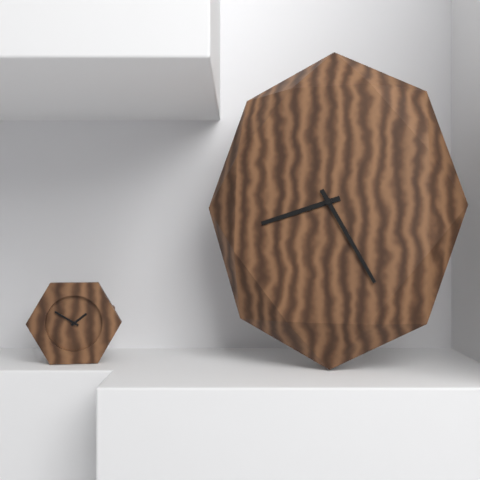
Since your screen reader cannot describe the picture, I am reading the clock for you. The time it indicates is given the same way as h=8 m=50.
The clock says h=8 m=25
